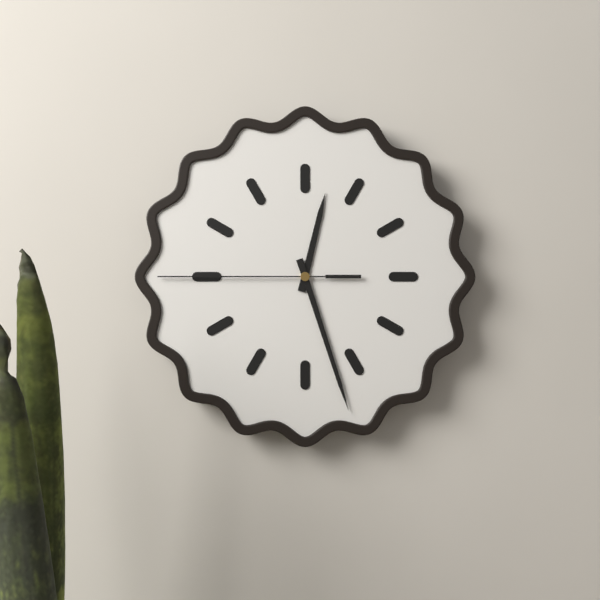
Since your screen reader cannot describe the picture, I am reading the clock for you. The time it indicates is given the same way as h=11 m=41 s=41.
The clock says h=12 m=27 s=45
